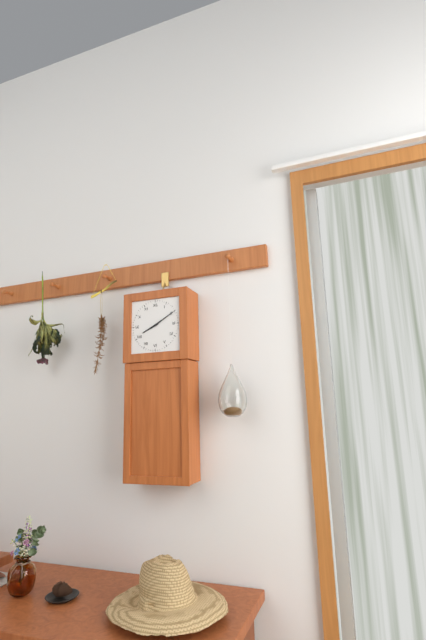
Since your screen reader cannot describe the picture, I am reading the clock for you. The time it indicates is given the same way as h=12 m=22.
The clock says h=8 m=10
